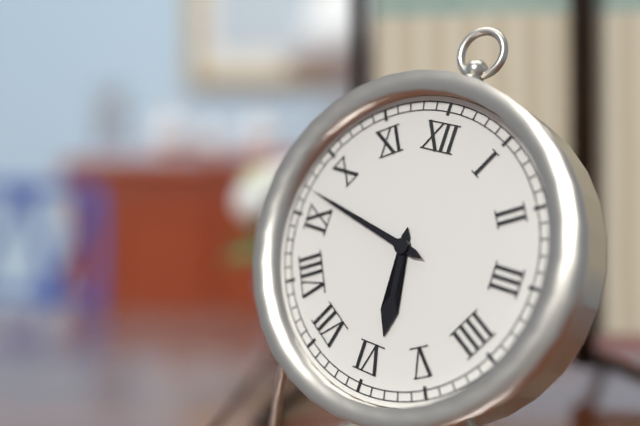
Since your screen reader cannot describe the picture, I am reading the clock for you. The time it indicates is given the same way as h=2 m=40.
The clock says h=5 m=47
